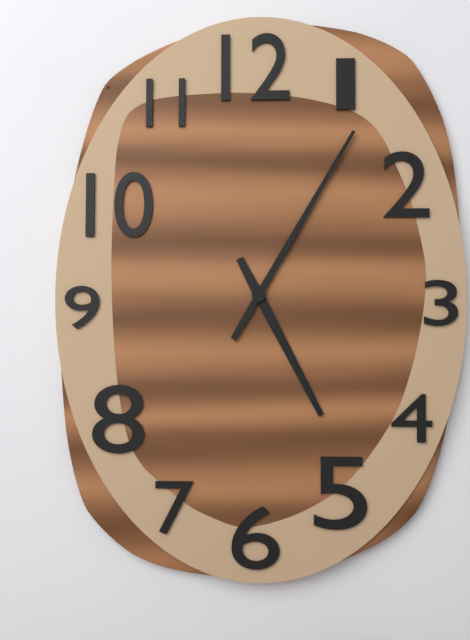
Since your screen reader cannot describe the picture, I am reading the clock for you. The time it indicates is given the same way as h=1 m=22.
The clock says h=5 m=5
